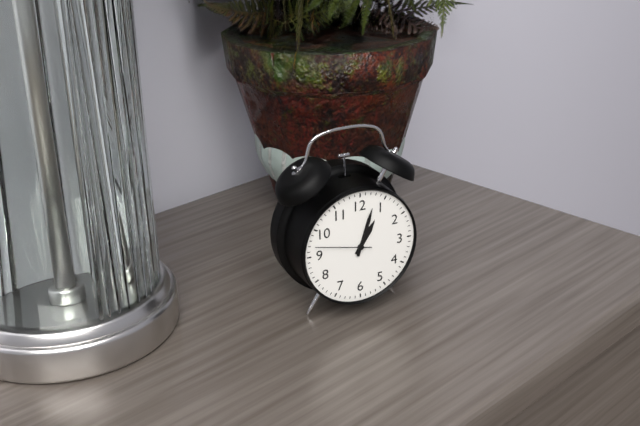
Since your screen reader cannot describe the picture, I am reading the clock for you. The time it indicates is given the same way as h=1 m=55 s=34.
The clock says h=1 m=3 s=47
